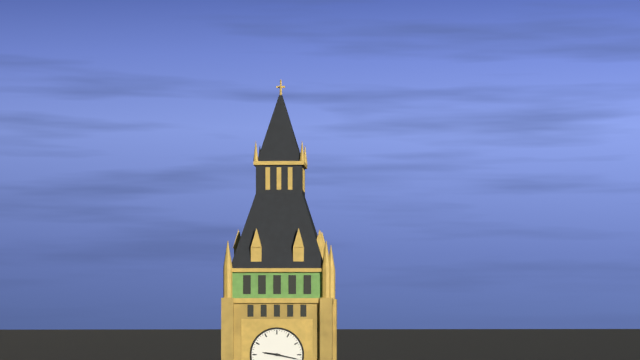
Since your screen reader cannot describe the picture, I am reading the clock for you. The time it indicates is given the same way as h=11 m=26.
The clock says h=9 m=17
